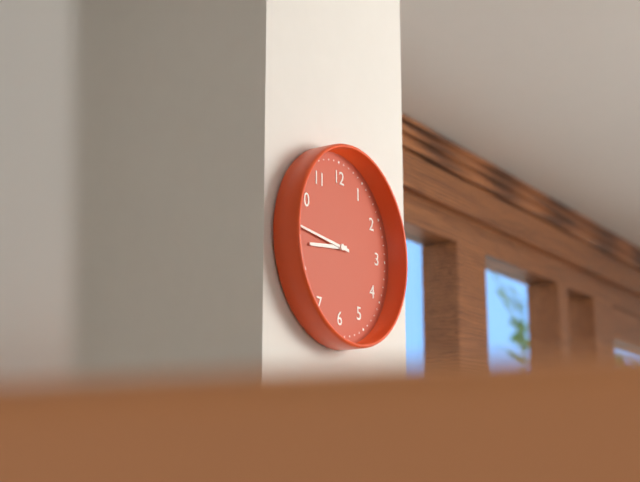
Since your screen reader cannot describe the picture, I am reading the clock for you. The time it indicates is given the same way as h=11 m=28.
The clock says h=8 m=46
